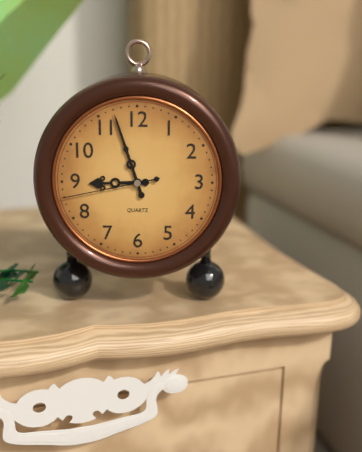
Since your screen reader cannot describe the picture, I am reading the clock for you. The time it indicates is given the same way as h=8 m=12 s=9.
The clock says h=8 m=57 s=43
